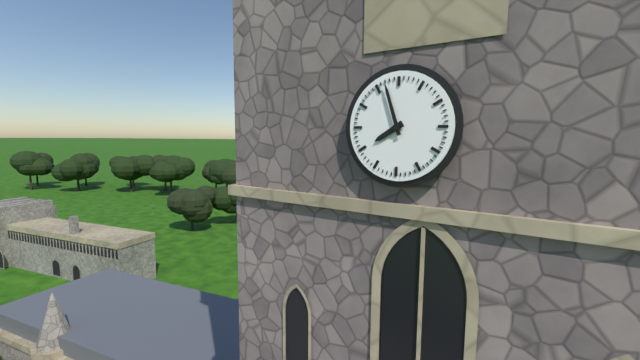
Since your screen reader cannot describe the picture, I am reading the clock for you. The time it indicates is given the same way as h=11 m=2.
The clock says h=7 m=57
